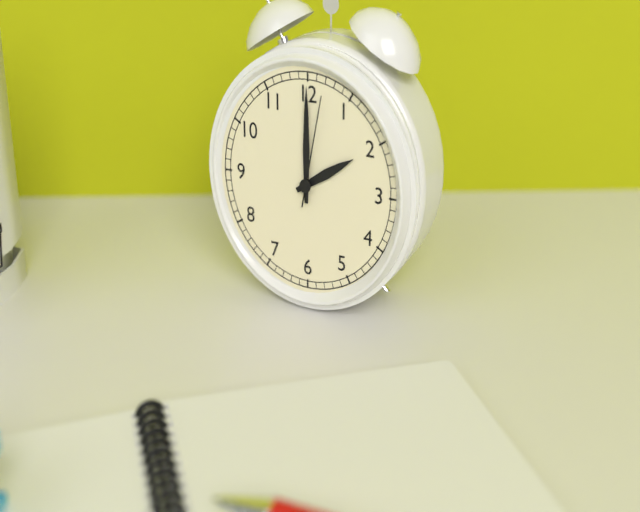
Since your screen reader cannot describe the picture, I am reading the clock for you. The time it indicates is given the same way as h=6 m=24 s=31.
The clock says h=2 m=0 s=2
